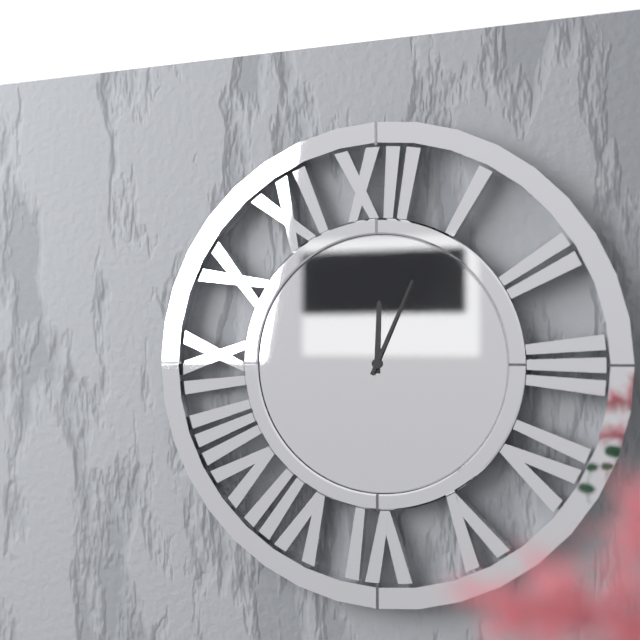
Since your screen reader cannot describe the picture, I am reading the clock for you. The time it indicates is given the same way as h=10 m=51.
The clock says h=12 m=4
